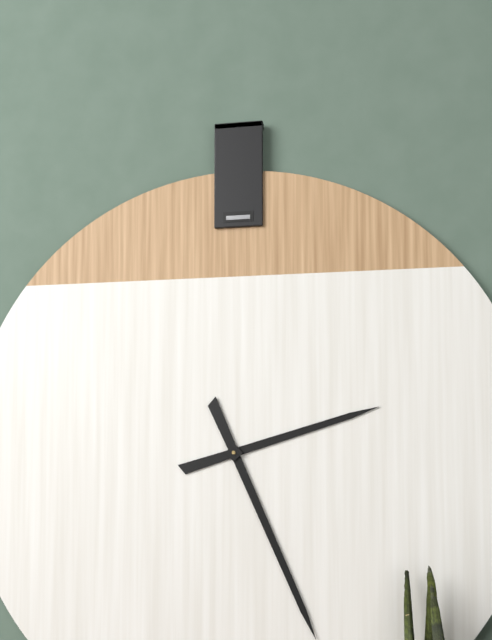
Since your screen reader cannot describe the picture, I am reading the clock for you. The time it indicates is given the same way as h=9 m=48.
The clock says h=2 m=26
